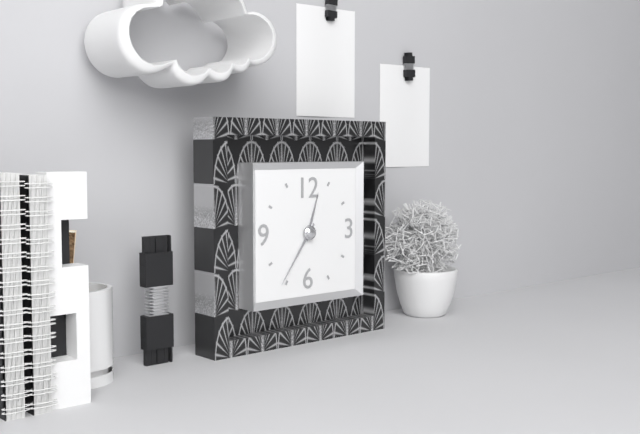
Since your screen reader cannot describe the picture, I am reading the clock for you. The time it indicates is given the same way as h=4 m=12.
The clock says h=12 m=36
